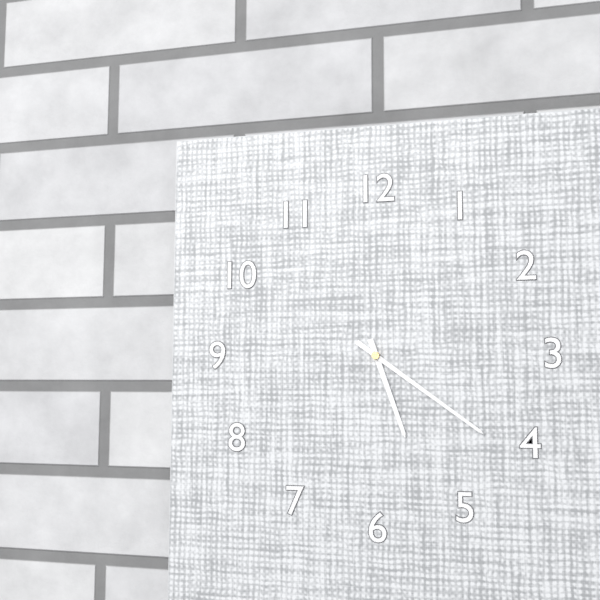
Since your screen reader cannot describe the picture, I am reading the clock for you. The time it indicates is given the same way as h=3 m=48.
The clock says h=5 m=21
